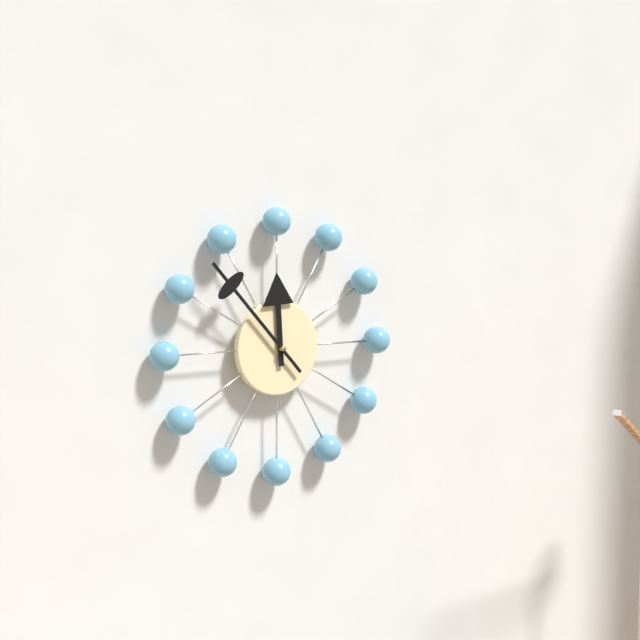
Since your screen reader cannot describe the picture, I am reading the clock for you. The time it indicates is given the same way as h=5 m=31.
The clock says h=11 m=53
